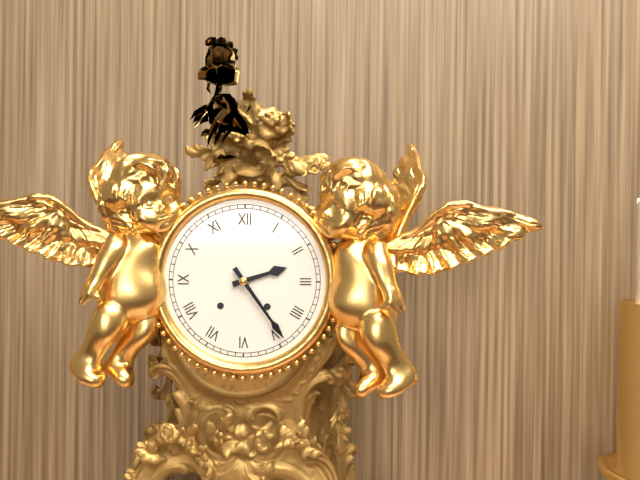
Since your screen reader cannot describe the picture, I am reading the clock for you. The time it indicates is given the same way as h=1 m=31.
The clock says h=2 m=24
